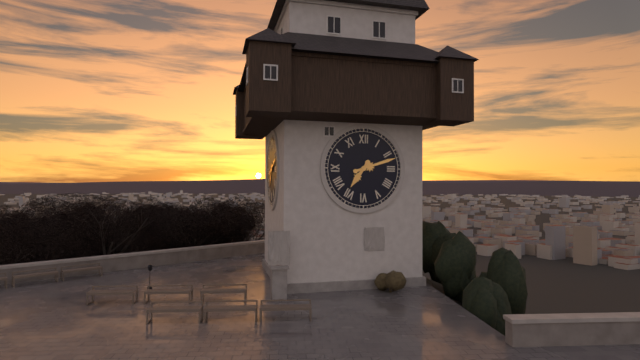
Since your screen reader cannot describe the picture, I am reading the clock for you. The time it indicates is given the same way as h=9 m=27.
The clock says h=7 m=12
